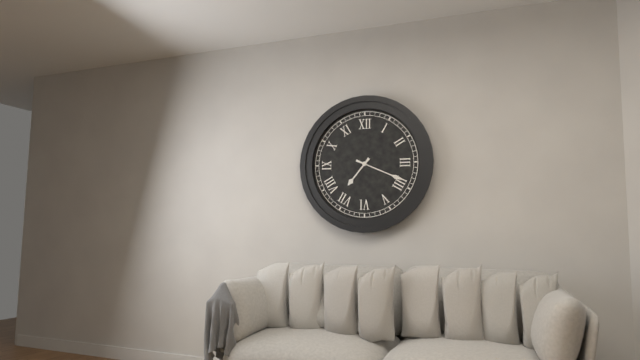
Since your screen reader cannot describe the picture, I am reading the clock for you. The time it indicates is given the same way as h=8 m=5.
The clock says h=7 m=19
